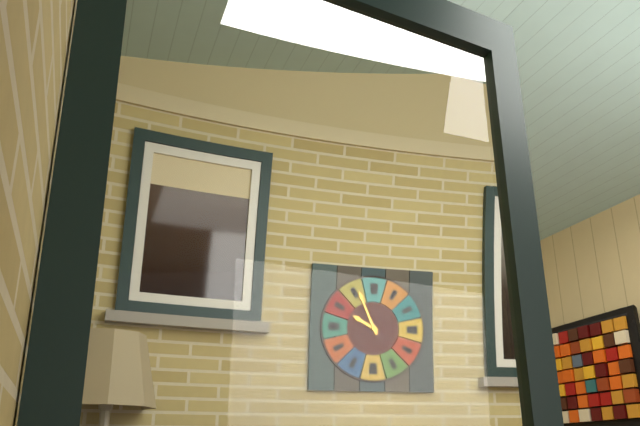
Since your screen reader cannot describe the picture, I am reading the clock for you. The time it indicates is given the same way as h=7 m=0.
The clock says h=9 m=56
